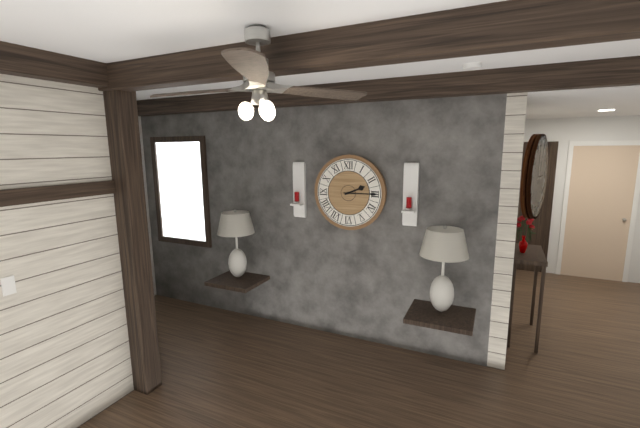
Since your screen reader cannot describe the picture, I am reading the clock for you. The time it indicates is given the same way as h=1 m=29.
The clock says h=2 m=15
